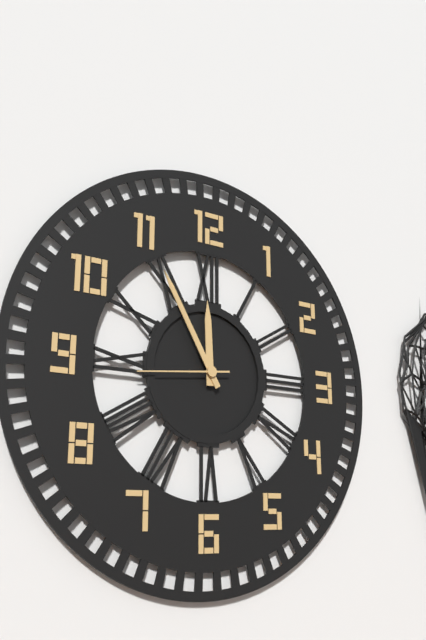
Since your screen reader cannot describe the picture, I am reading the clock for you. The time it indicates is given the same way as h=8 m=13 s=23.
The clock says h=11 m=55 s=44
